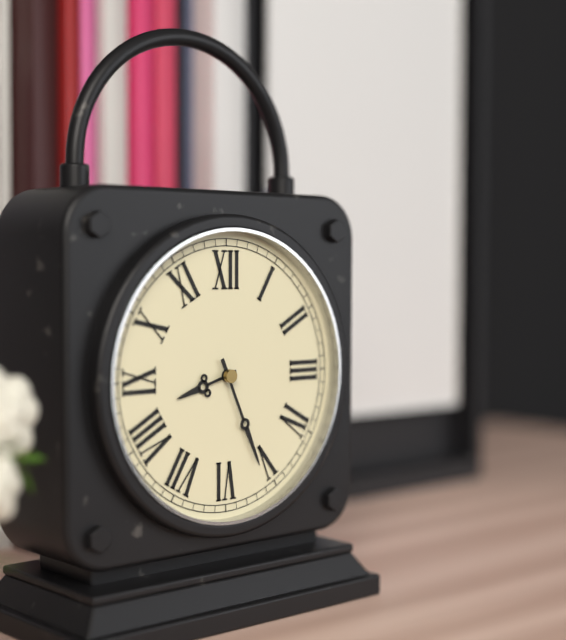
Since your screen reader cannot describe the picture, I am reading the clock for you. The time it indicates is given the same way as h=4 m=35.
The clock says h=8 m=26
